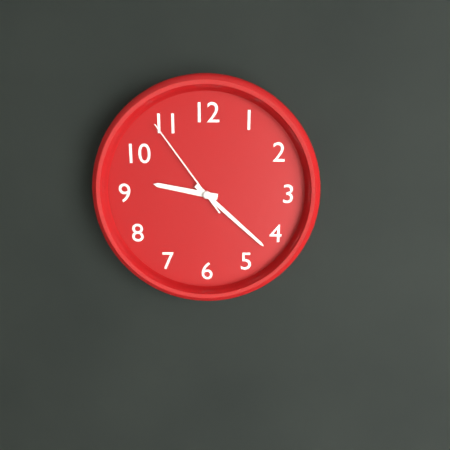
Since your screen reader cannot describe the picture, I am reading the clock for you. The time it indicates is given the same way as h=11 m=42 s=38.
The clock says h=9 m=22 s=54
